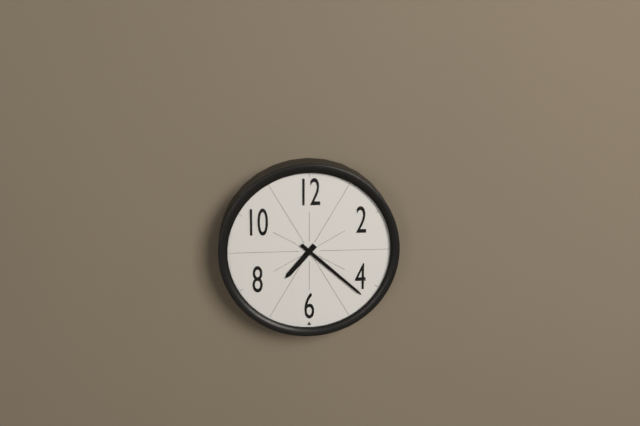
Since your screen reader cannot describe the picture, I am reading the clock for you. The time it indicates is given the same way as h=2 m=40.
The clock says h=7 m=22
